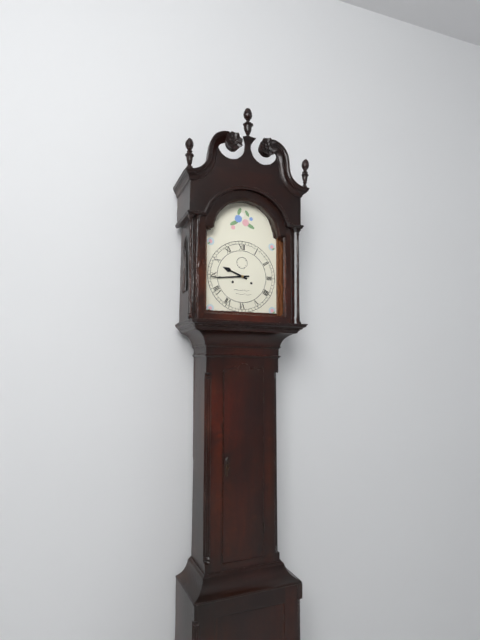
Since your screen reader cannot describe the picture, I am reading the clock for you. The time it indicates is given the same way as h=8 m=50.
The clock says h=9 m=44
